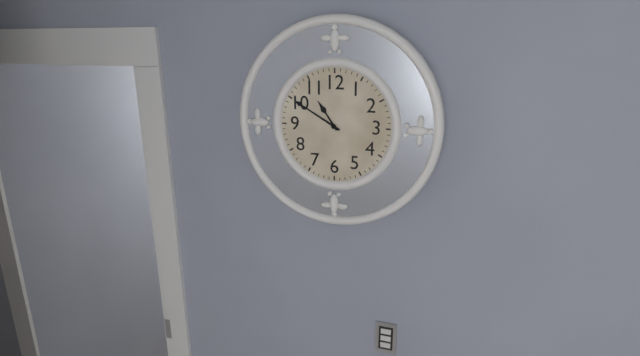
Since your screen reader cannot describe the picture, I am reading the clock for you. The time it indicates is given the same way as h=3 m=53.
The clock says h=10 m=50
